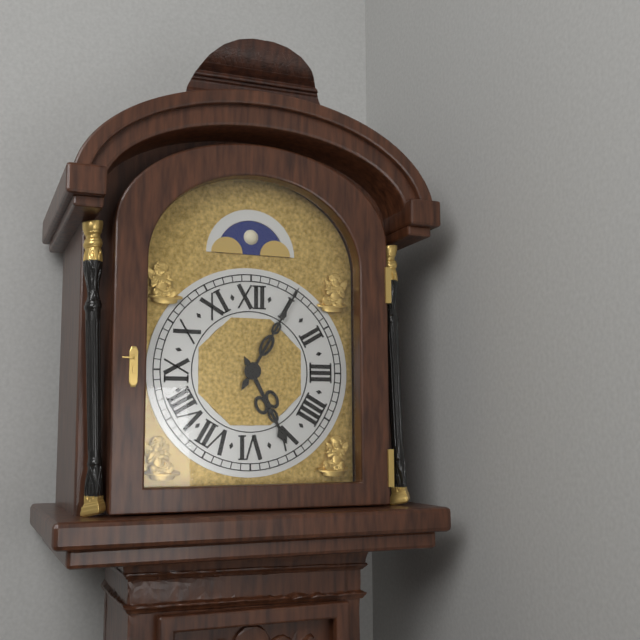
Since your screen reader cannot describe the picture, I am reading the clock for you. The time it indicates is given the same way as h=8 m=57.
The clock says h=5 m=5
